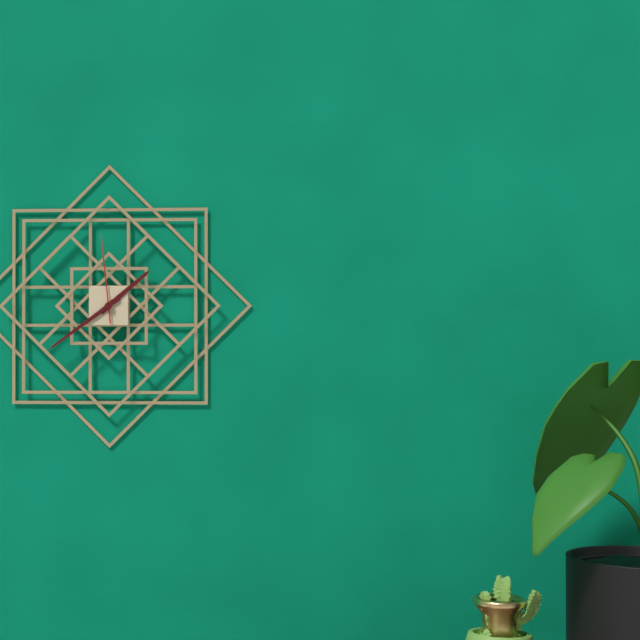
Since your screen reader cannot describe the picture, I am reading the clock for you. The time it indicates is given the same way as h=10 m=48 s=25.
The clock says h=1 m=39 s=59
